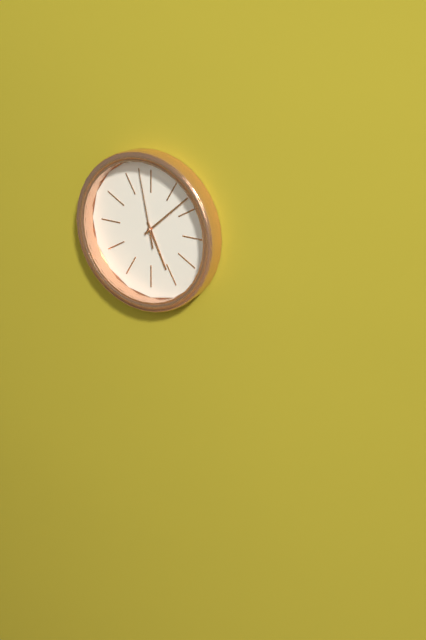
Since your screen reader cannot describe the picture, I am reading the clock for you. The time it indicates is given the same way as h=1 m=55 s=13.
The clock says h=5 m=8 s=58
